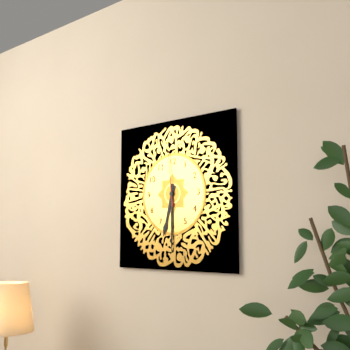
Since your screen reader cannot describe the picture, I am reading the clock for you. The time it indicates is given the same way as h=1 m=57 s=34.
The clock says h=6 m=30 s=59
